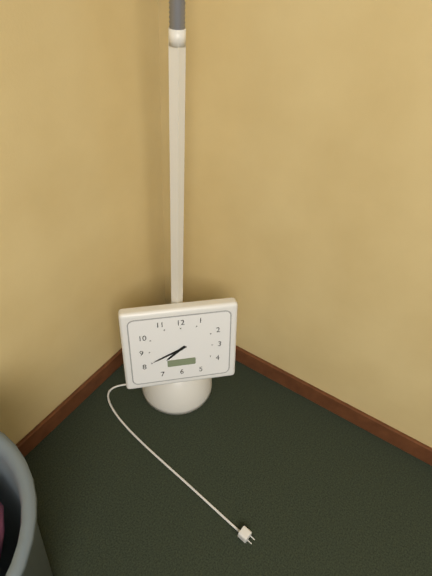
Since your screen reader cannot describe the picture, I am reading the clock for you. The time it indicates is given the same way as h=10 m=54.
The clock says h=7 m=41
